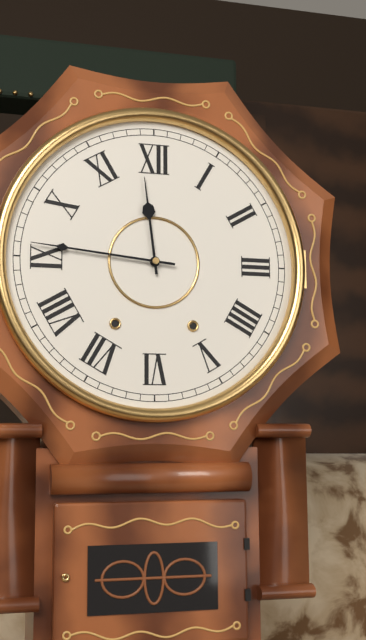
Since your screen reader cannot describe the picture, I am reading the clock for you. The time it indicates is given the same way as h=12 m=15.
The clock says h=11 m=46
